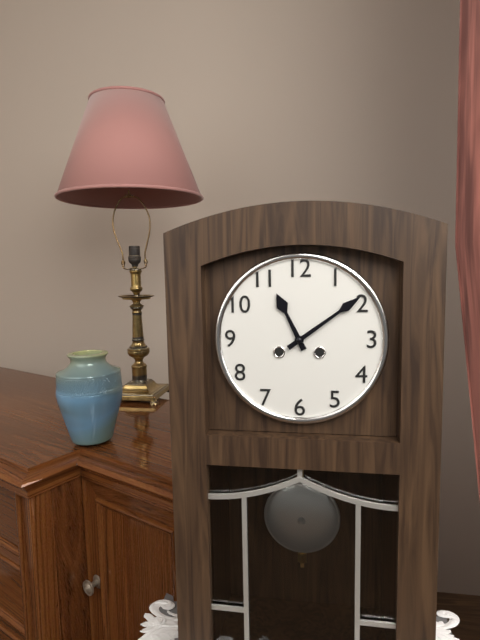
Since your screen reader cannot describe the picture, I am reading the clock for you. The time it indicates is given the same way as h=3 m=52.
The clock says h=11 m=9
